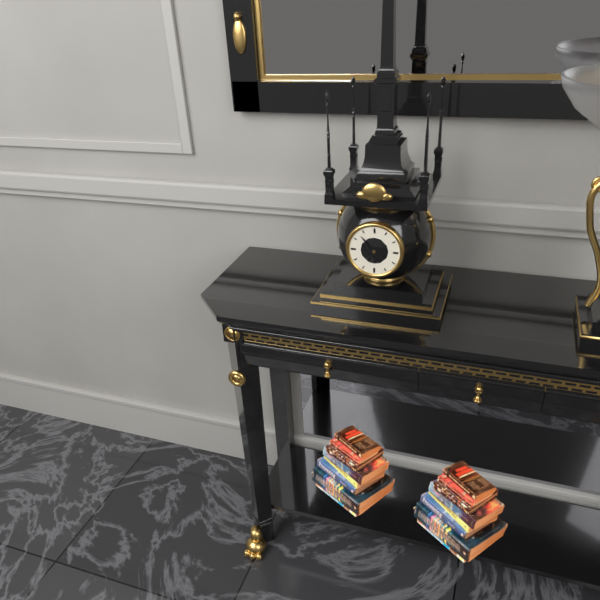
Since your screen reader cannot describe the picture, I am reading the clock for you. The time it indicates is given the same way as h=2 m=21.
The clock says h=6 m=53
